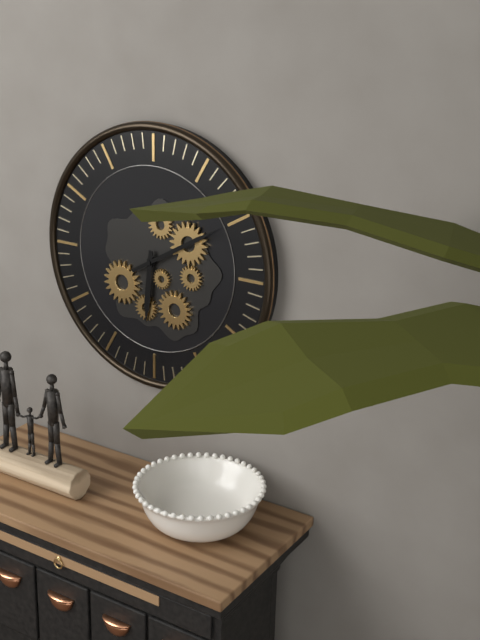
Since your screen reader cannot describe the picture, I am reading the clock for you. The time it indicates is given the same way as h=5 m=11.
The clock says h=6 m=10
